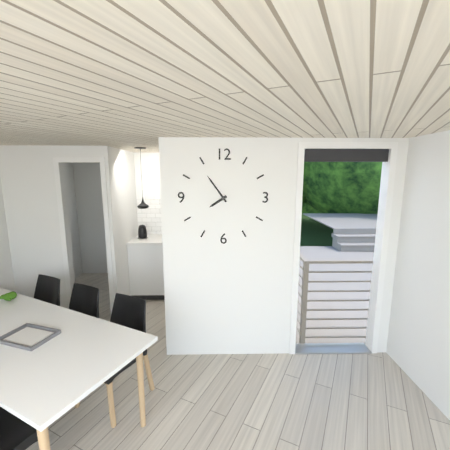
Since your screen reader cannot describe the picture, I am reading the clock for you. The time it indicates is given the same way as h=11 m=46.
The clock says h=7 m=54
